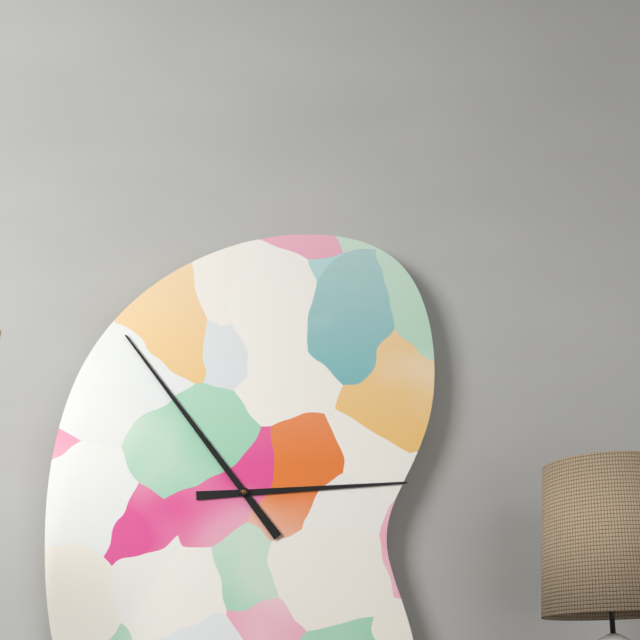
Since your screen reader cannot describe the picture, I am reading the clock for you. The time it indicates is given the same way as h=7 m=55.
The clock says h=2 m=54
